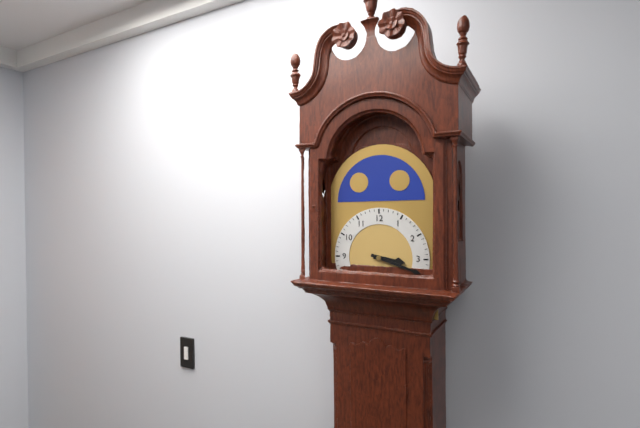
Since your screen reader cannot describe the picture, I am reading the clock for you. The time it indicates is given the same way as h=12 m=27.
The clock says h=3 m=18
